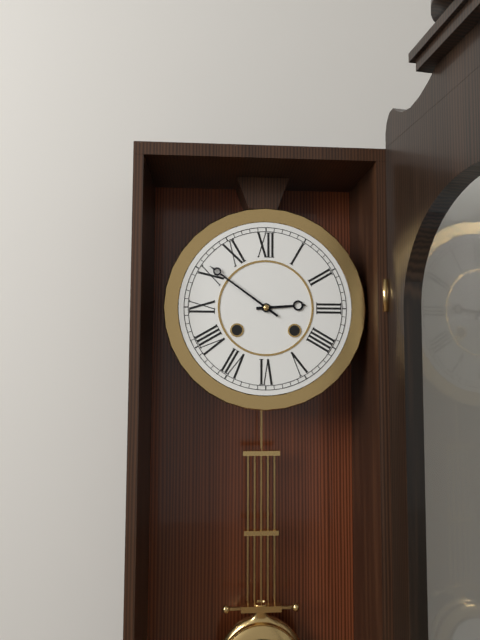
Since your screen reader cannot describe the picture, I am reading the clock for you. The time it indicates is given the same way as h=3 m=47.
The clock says h=2 m=51
